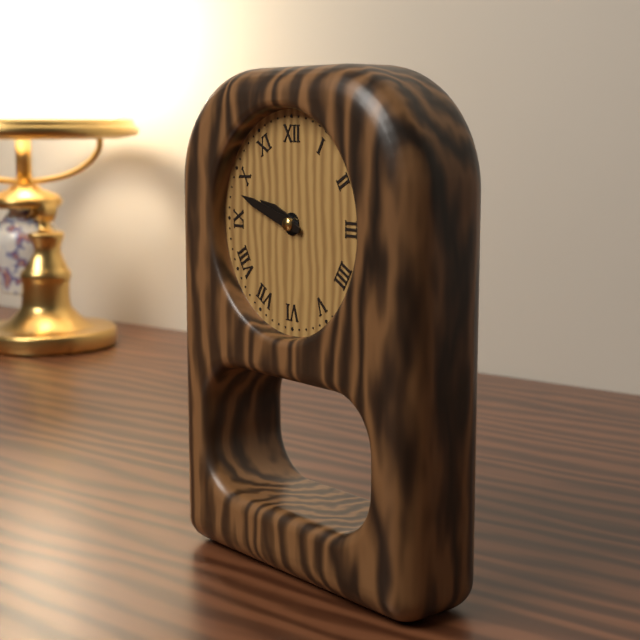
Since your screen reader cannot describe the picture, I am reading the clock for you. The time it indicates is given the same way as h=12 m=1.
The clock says h=9 m=48
